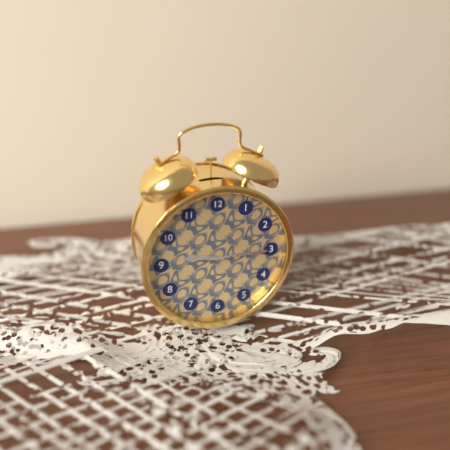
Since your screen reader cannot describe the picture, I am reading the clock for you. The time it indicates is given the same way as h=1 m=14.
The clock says h=9 m=15
